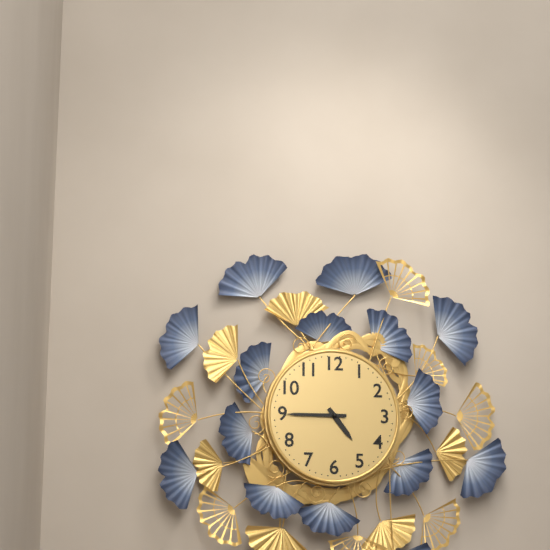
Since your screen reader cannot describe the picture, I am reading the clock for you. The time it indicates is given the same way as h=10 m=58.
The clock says h=4 m=45
